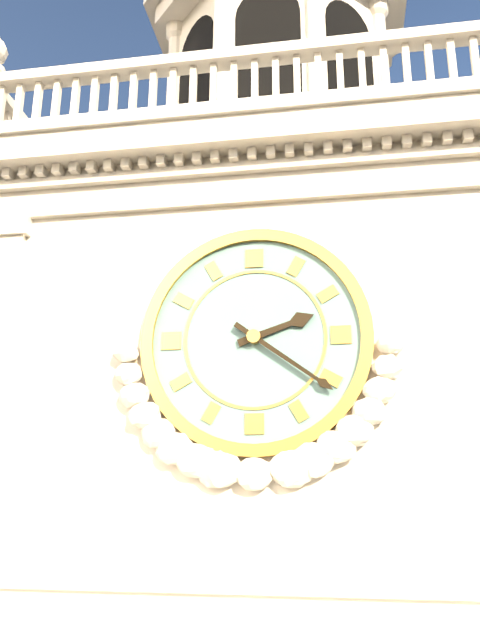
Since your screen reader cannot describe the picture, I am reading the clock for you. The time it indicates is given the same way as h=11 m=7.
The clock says h=2 m=21
